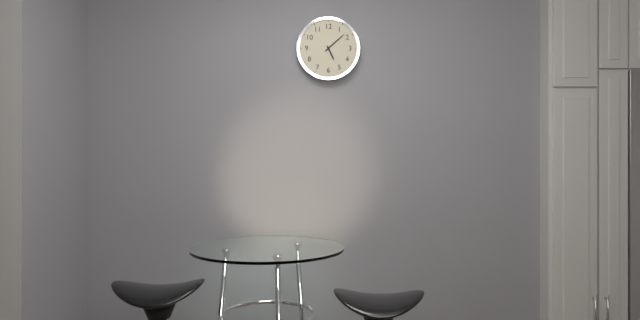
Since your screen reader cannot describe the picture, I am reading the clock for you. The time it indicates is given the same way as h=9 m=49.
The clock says h=5 m=8
